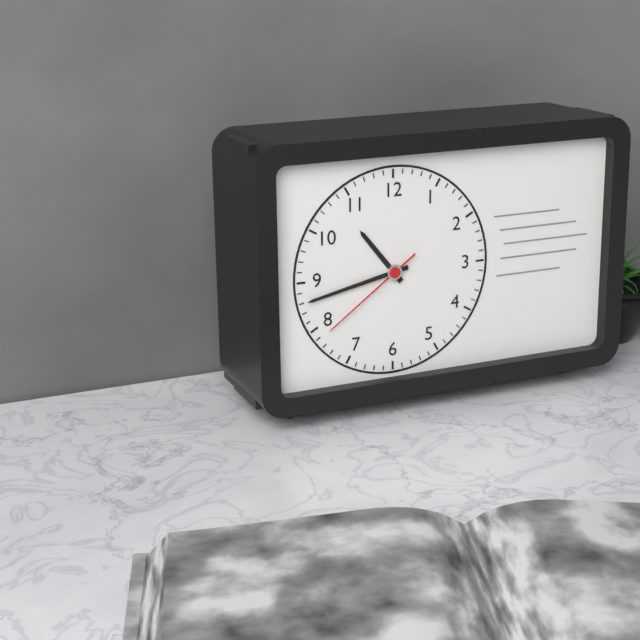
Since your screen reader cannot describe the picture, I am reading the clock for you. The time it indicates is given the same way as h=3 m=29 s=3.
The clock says h=10 m=43 s=39
